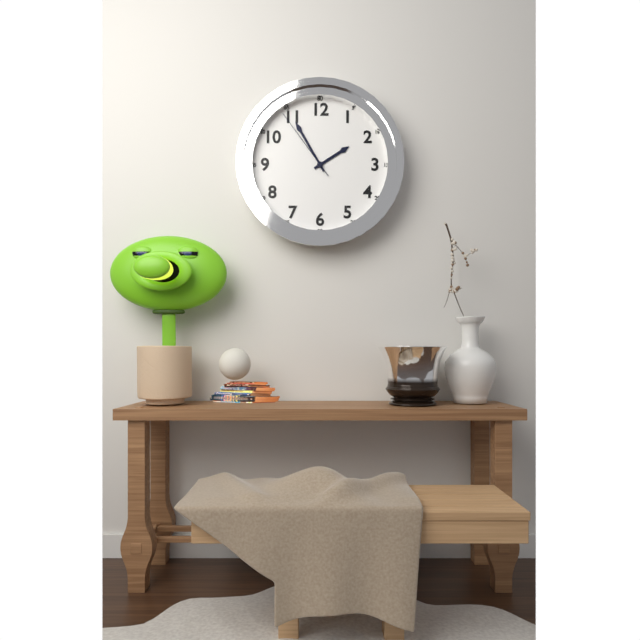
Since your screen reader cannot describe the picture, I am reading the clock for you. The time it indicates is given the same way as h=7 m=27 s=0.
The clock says h=1 m=55 s=54
